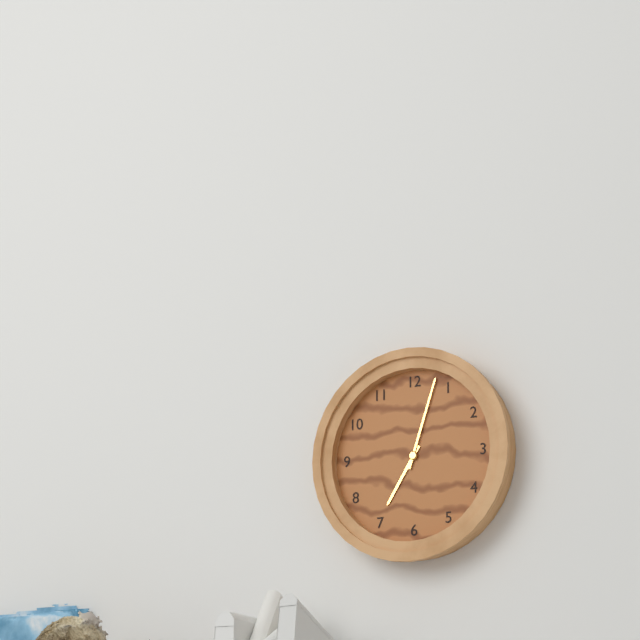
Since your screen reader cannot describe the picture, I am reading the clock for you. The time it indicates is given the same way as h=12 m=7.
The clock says h=7 m=3
